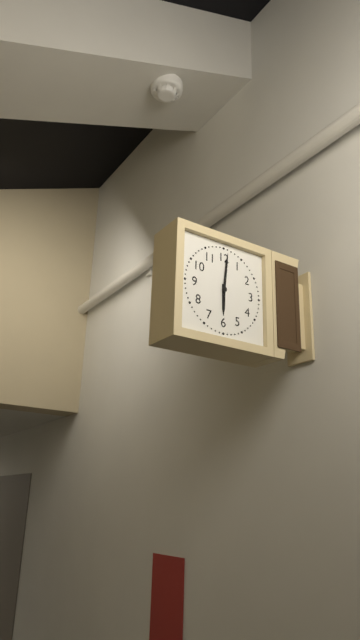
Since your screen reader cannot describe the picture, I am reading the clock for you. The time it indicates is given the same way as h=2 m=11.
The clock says h=6 m=1
